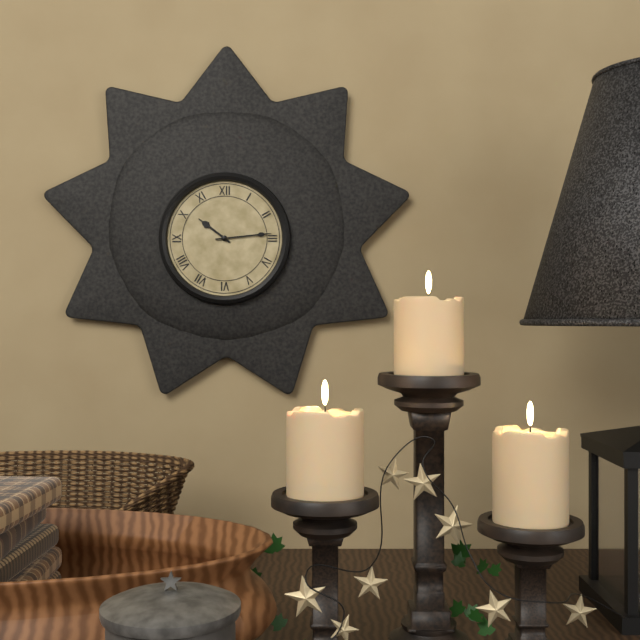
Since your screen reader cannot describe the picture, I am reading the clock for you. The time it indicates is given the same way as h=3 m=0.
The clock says h=10 m=14
